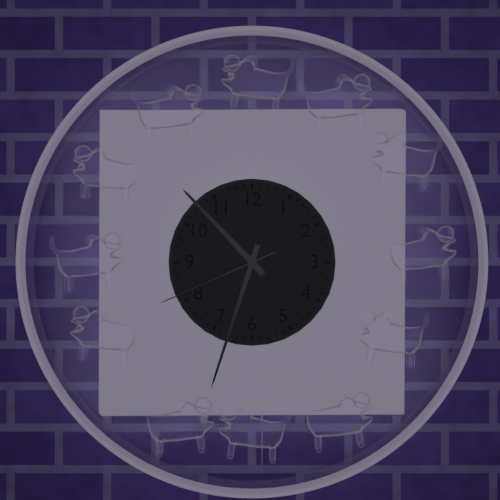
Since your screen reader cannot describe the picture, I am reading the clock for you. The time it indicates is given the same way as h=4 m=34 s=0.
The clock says h=10 m=33 s=41
